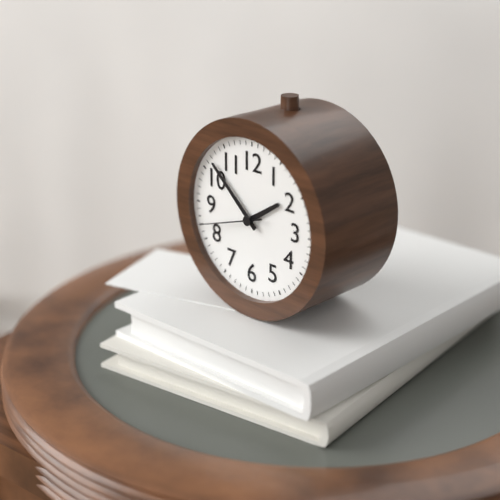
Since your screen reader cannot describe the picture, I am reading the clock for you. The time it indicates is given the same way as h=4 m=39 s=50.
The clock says h=1 m=52 s=42
